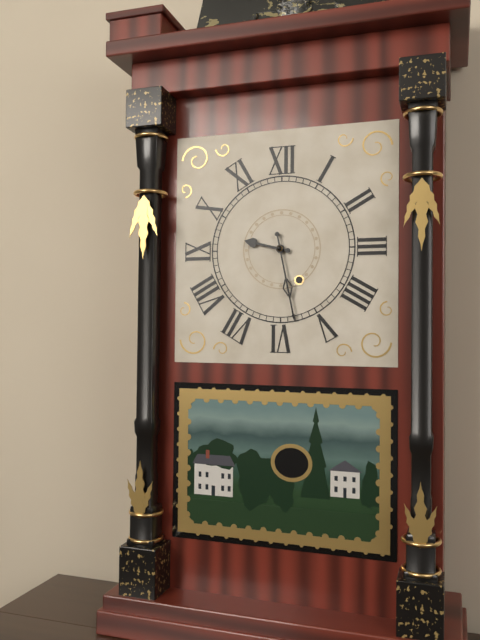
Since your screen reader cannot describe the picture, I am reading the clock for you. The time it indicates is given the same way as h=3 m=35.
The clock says h=9 m=28
